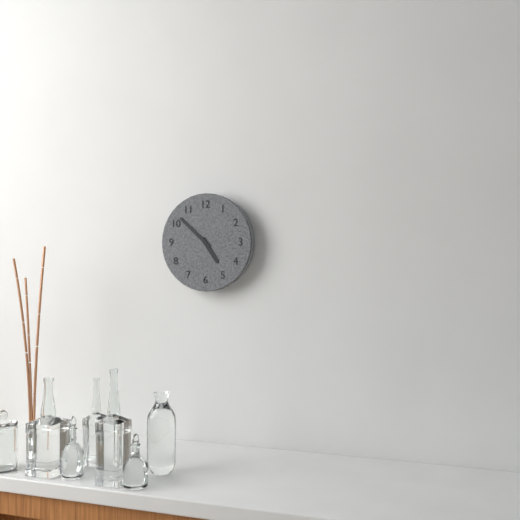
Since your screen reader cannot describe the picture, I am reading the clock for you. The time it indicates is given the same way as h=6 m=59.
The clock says h=4 m=52
